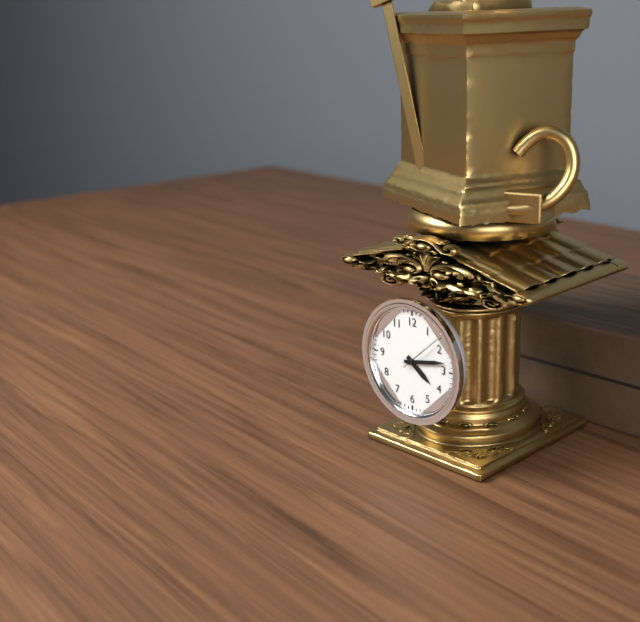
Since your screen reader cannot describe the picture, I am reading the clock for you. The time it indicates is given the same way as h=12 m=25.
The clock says h=4 m=13
